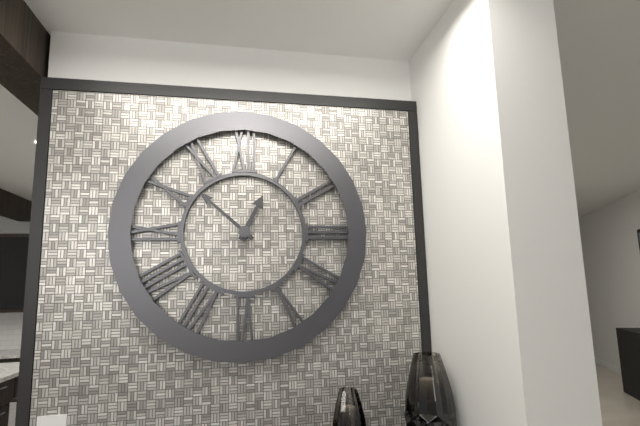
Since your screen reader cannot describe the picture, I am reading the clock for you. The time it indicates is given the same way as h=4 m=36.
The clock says h=12 m=52
